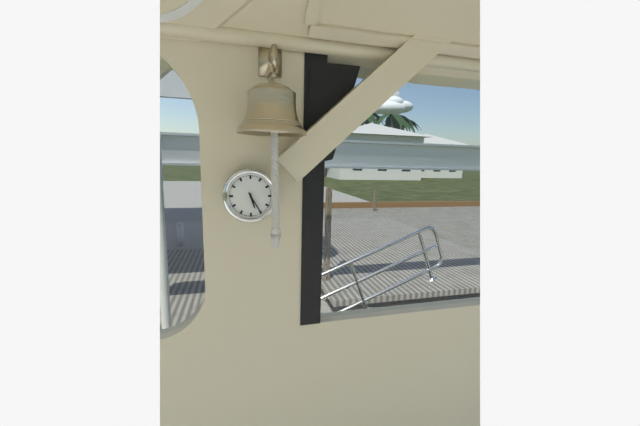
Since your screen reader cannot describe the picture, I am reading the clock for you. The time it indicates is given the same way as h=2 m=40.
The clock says h=5 m=25
